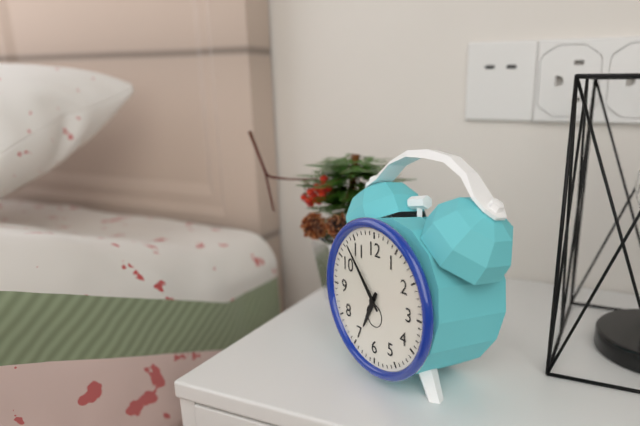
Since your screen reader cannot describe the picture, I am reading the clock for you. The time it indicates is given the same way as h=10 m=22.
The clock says h=6 m=53
